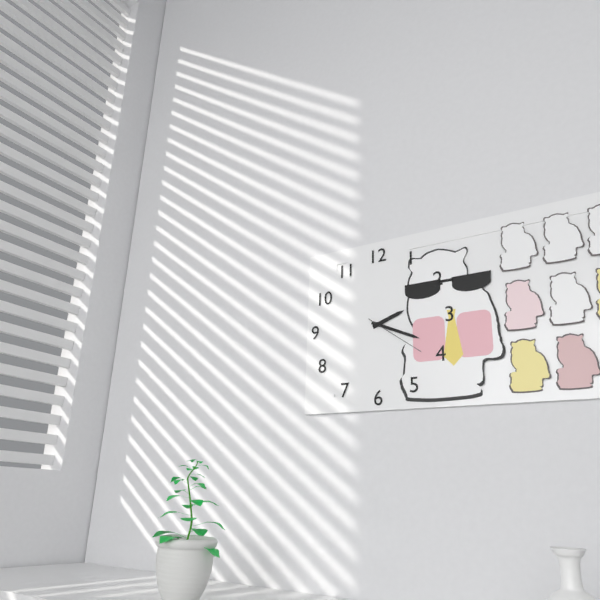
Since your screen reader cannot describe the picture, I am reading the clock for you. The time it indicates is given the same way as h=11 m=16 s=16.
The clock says h=2 m=19 s=21
